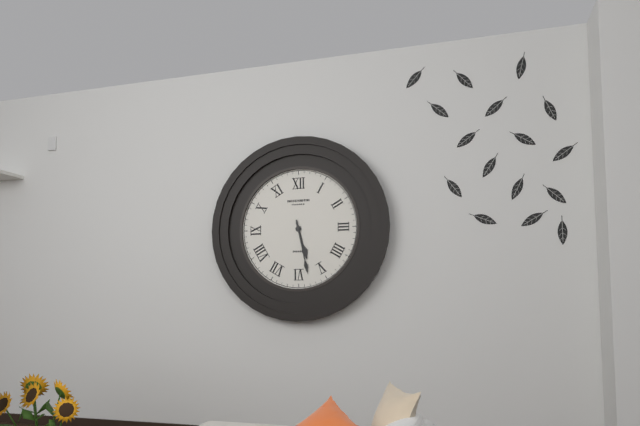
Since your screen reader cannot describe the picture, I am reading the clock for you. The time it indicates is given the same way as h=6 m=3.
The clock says h=5 m=28
